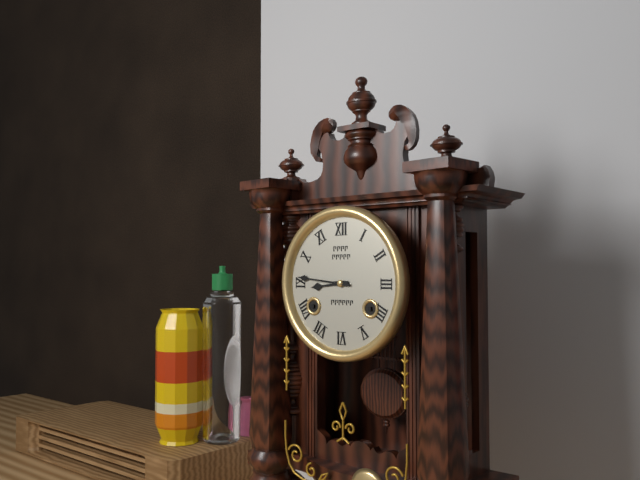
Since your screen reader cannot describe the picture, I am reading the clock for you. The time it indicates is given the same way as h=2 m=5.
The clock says h=8 m=46
